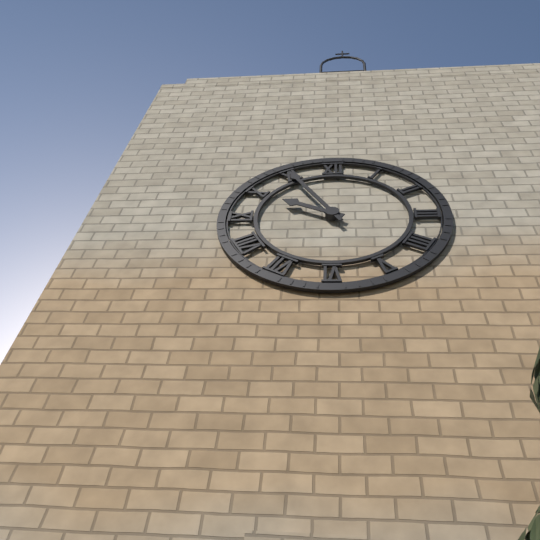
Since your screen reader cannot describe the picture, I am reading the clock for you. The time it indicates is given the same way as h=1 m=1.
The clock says h=9 m=55
